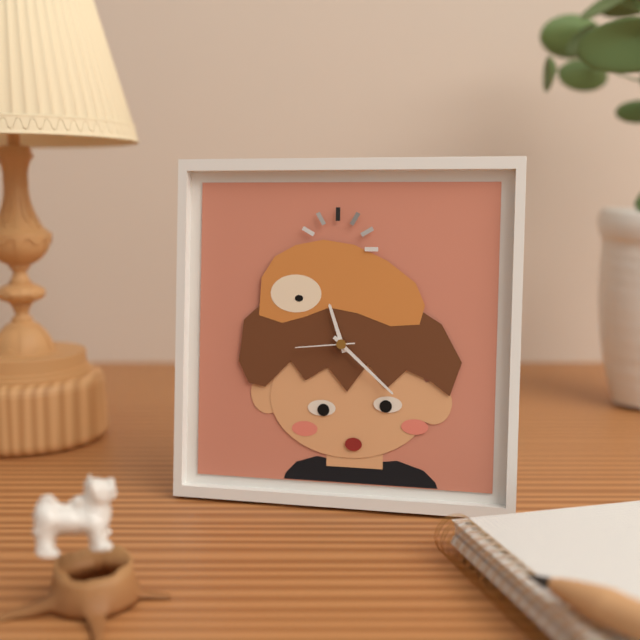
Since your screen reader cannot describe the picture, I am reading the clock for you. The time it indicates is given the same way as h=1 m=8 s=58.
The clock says h=11 m=22 s=44
